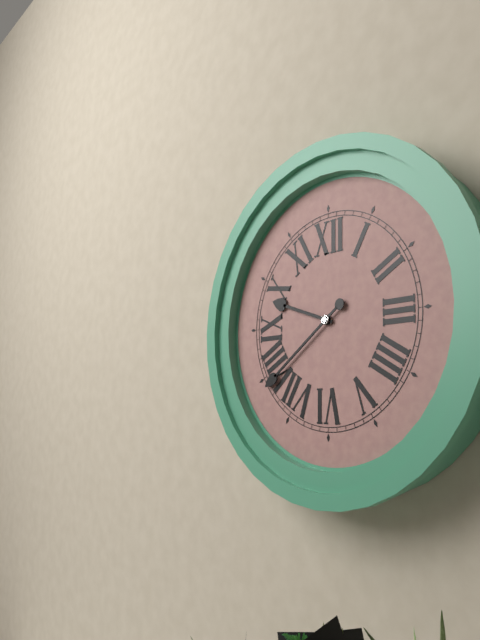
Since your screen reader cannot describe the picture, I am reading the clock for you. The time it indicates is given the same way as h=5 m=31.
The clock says h=9 m=39
